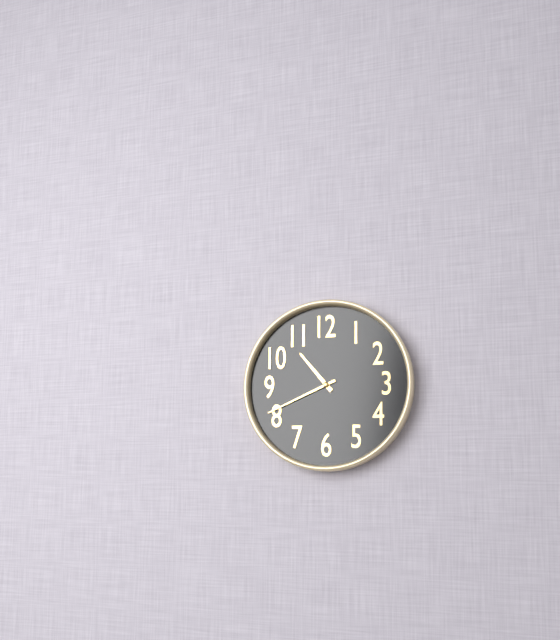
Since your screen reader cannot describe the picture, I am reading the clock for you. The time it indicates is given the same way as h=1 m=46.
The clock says h=10 m=41
